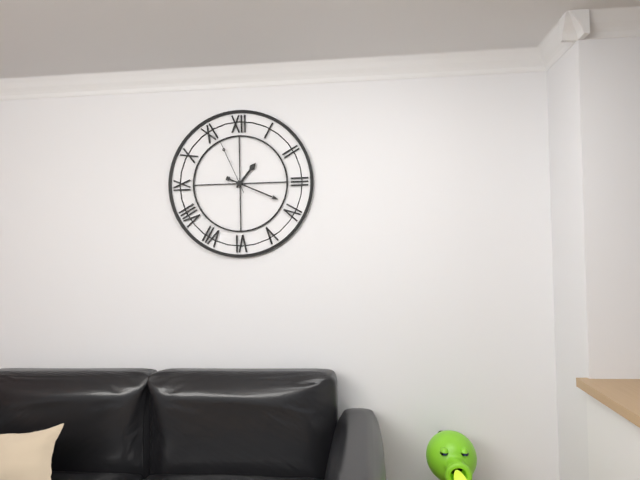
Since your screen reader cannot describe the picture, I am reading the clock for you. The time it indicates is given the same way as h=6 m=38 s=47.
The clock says h=1 m=19 s=56
